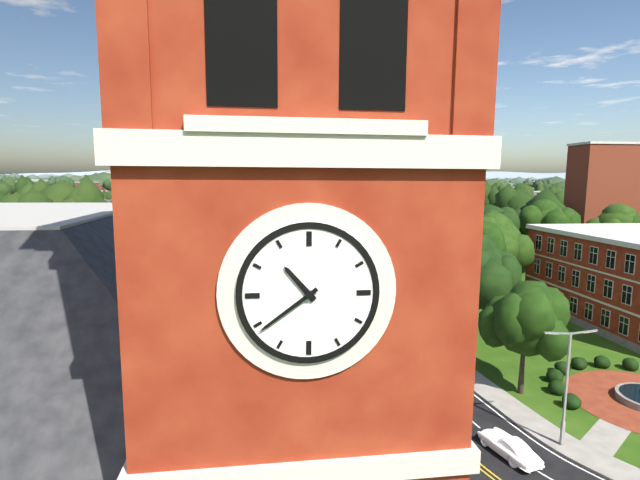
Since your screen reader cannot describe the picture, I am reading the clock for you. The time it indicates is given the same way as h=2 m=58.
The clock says h=10 m=39
